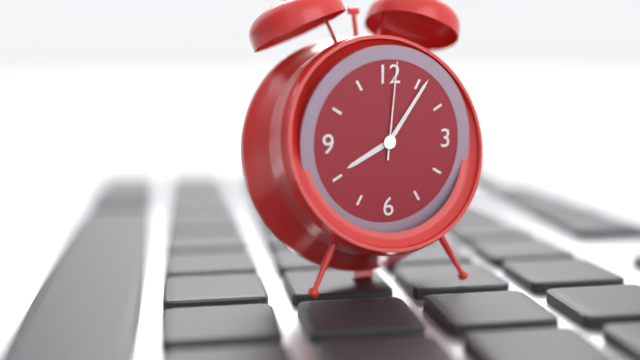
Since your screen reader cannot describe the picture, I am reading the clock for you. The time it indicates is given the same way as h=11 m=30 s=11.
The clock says h=8 m=6 s=1
